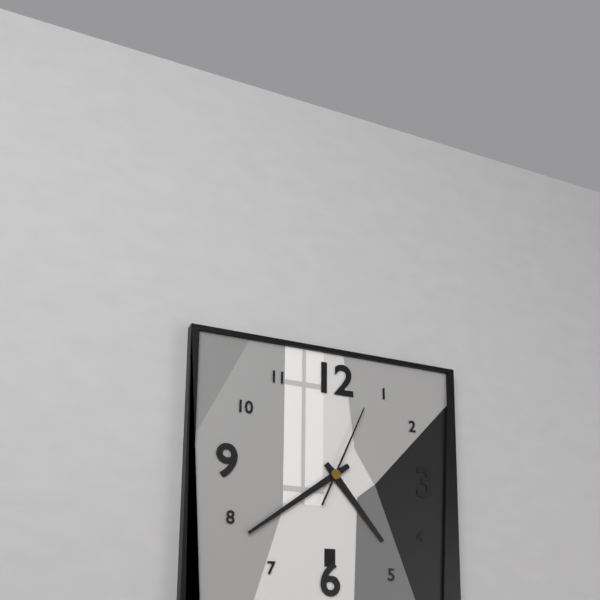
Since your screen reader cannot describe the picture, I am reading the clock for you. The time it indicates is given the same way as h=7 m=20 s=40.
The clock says h=4 m=39 s=4
